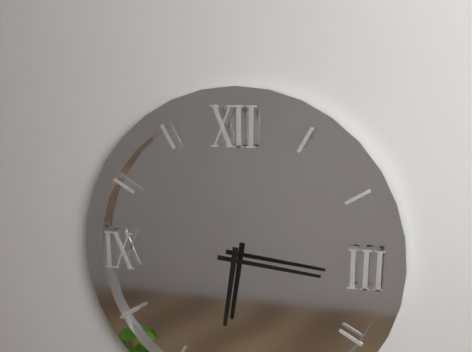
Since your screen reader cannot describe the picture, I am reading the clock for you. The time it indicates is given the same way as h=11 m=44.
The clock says h=6 m=16
